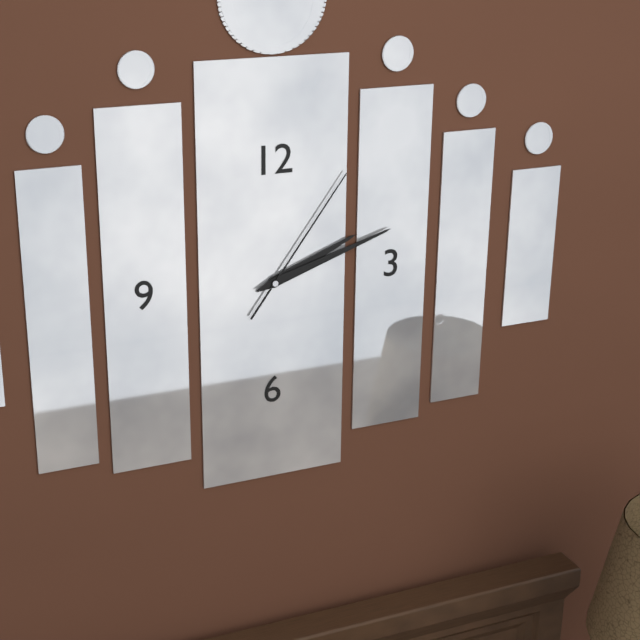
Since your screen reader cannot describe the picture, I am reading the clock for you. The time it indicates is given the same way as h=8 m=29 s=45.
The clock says h=2 m=12 s=6
